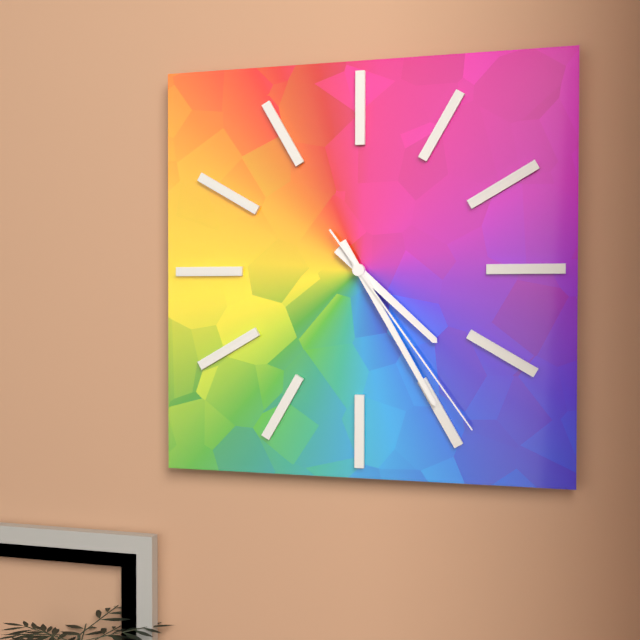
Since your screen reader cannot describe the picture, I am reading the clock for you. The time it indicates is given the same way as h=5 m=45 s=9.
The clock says h=4 m=25 s=24
